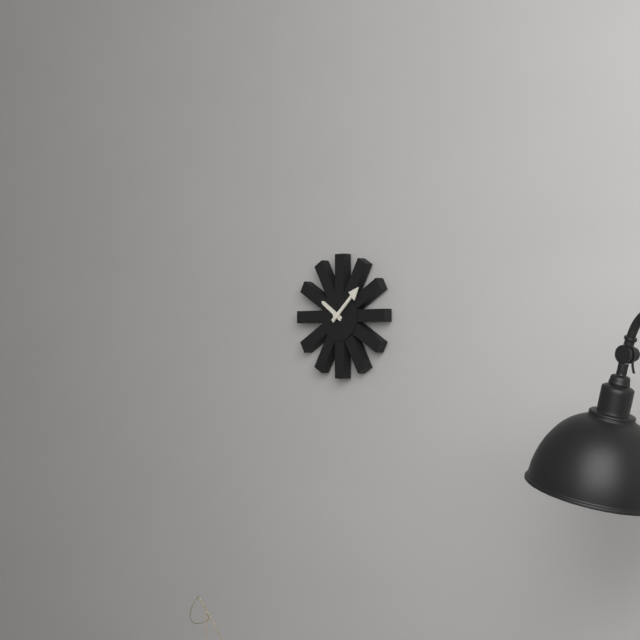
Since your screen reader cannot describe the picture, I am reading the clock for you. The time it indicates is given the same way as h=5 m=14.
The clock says h=10 m=8
